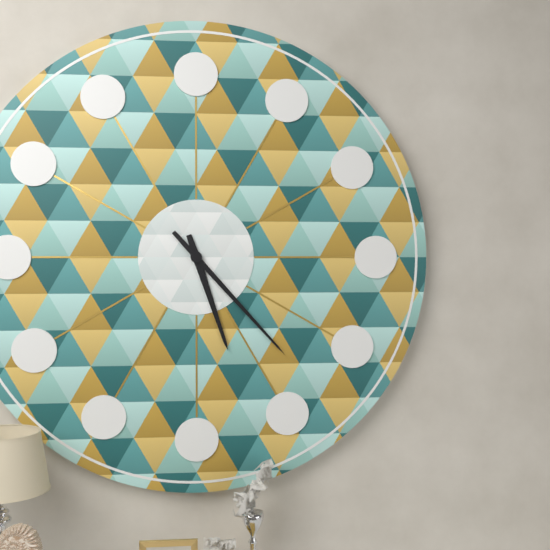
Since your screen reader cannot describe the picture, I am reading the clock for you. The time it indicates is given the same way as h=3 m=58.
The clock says h=5 m=23
